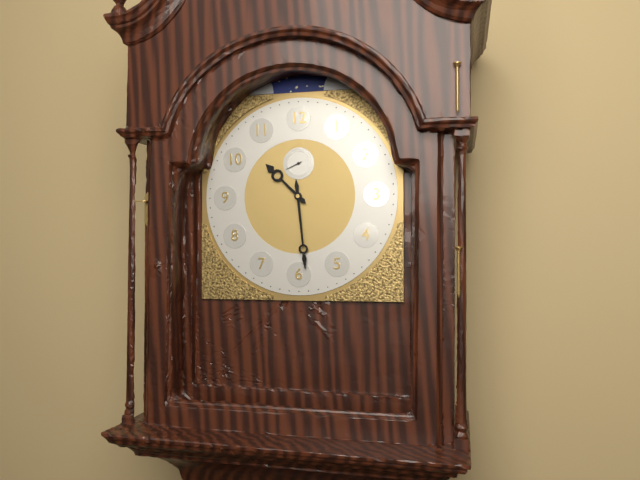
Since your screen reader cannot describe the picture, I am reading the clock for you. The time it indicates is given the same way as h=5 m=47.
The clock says h=10 m=29
